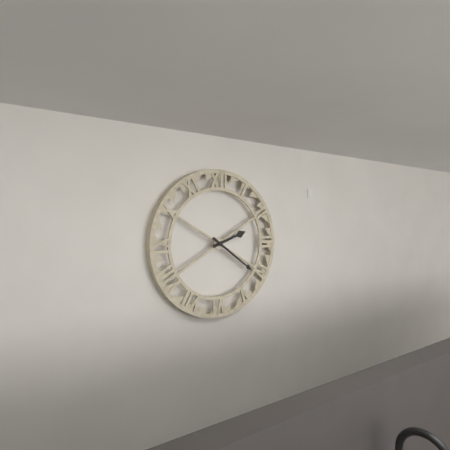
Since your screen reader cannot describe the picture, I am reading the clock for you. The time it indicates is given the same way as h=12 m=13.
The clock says h=2 m=21
